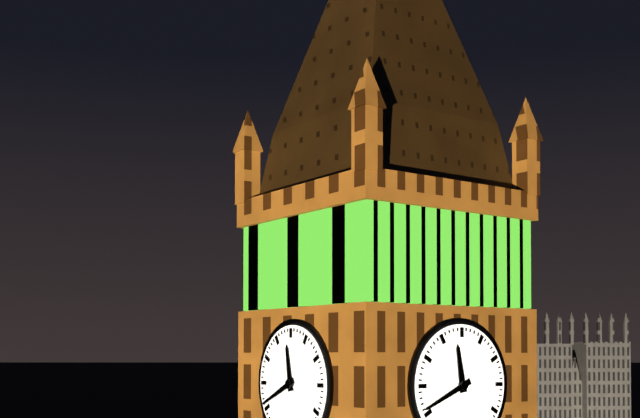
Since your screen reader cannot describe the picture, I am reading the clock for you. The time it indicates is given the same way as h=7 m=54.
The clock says h=11 m=41
